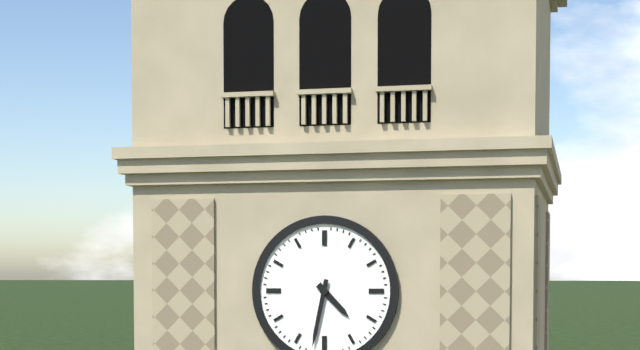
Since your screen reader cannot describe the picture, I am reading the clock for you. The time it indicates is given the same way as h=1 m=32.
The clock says h=4 m=32
